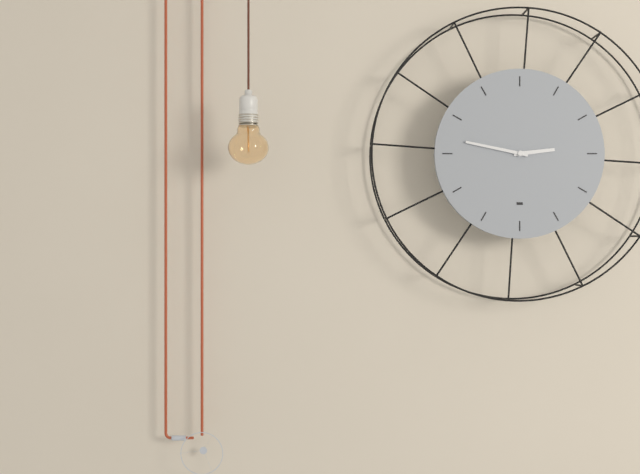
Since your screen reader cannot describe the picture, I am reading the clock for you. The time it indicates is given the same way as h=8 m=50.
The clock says h=2 m=47
